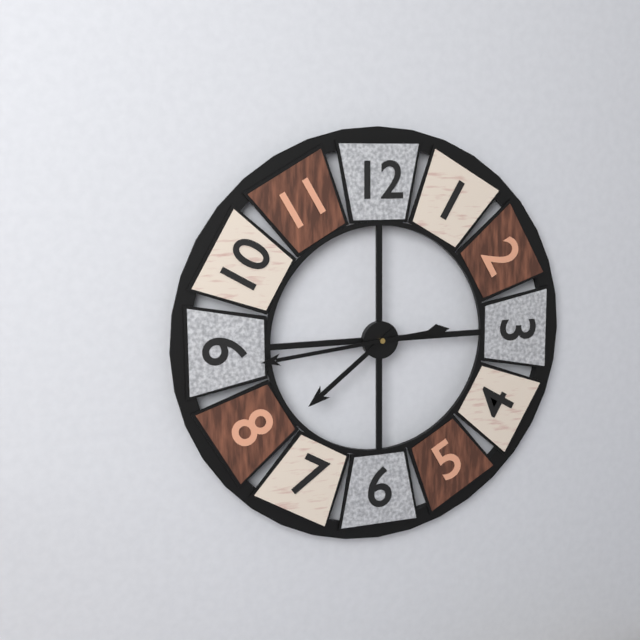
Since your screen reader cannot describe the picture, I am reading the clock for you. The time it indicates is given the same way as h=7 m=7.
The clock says h=7 m=44
